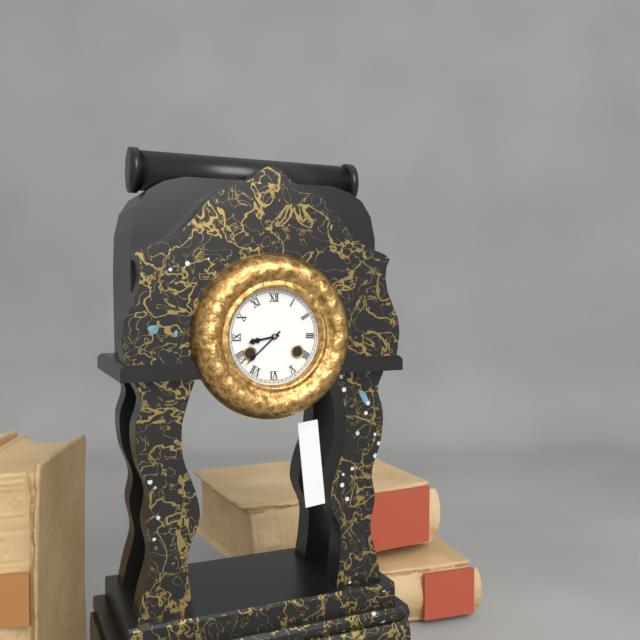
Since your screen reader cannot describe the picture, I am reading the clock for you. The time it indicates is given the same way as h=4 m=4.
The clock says h=8 m=38
